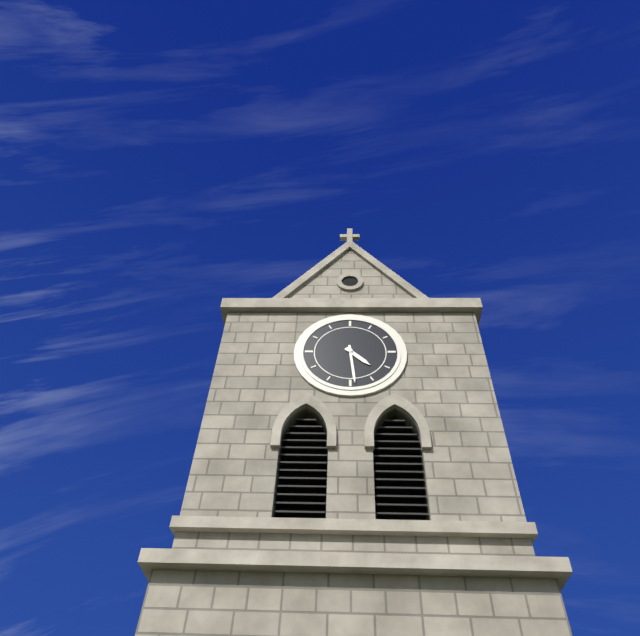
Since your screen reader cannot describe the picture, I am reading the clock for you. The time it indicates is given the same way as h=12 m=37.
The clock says h=4 m=29
